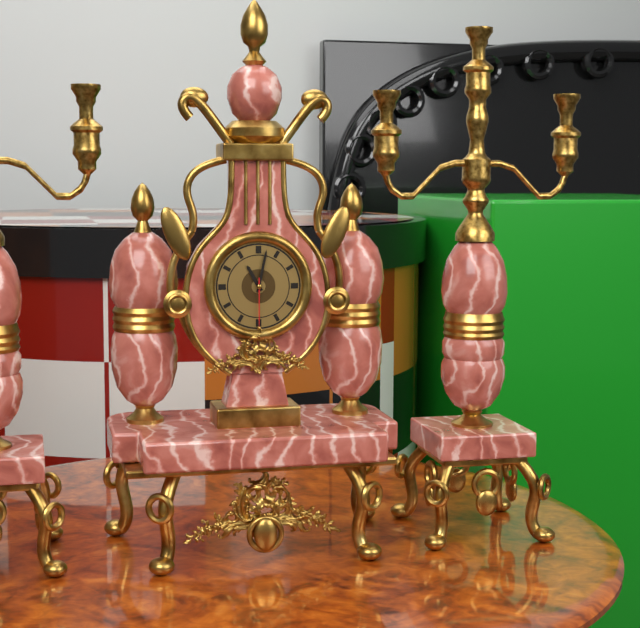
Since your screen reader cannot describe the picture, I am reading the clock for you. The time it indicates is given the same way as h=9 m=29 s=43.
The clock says h=11 m=2 s=30
